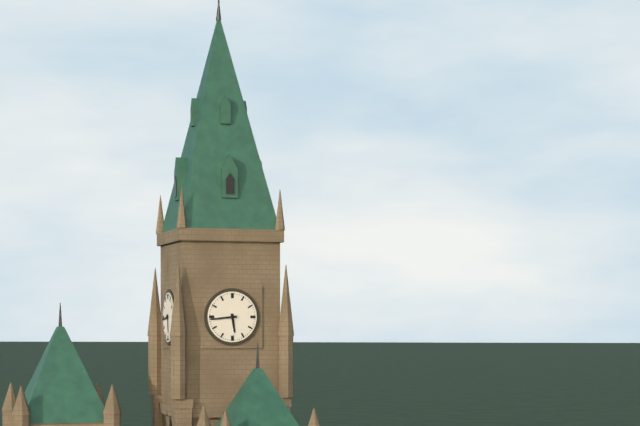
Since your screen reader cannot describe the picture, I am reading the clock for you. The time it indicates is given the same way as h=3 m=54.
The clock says h=5 m=44
